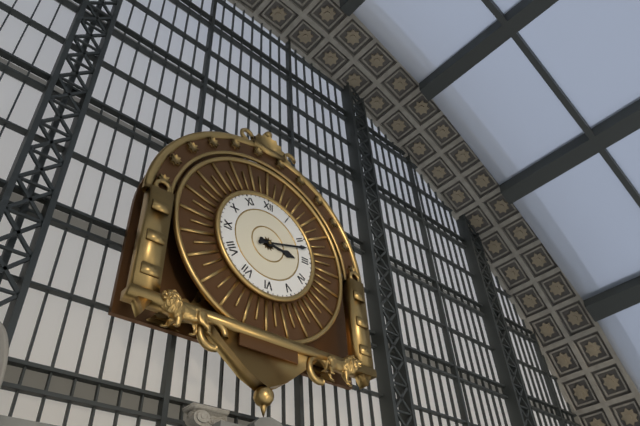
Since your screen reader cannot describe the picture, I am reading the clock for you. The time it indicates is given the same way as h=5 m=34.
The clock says h=3 m=12
